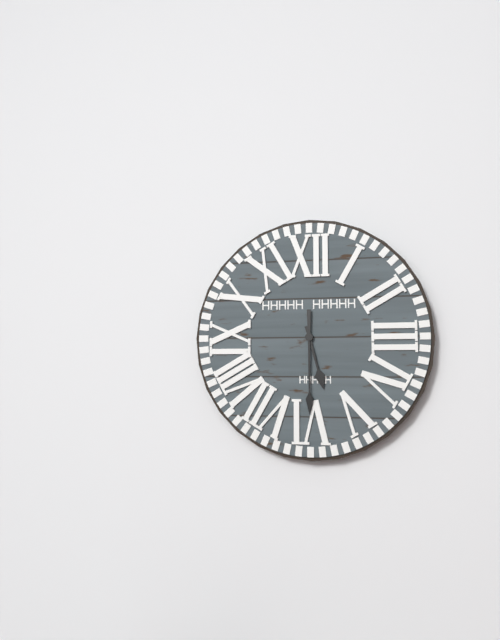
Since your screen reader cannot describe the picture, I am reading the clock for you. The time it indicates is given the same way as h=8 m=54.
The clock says h=5 m=30
